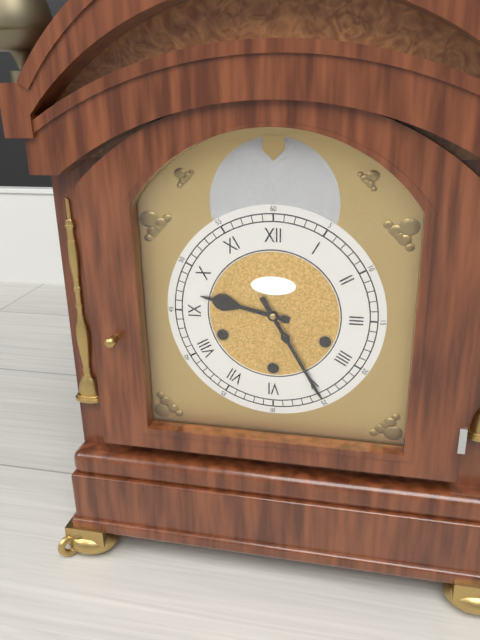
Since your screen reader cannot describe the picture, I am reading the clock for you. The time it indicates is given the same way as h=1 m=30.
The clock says h=9 m=25
